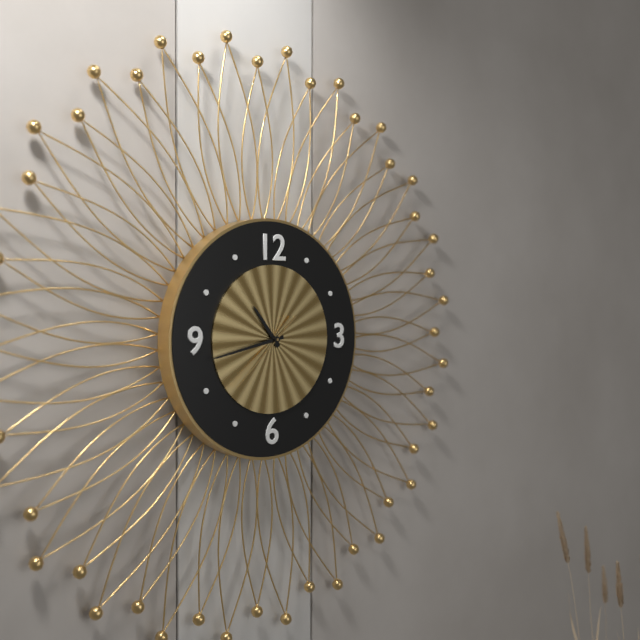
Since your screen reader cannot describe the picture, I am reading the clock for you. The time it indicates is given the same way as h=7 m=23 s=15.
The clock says h=10 m=43 s=38
